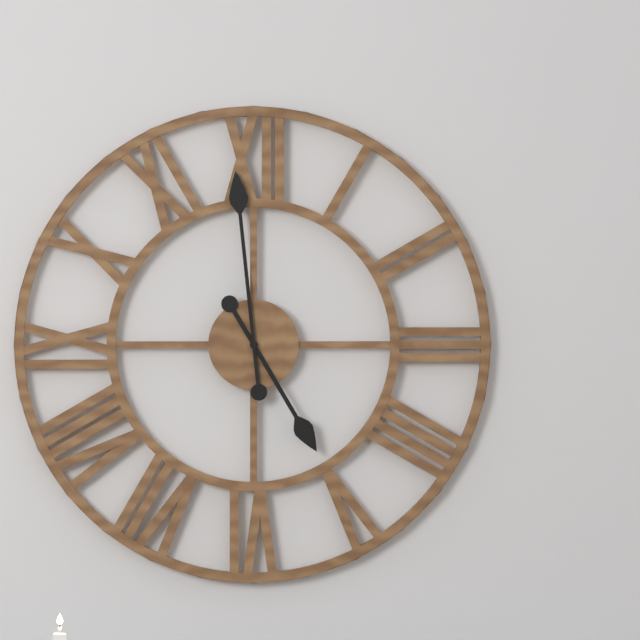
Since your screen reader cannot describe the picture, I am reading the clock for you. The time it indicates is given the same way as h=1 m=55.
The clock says h=4 m=59
